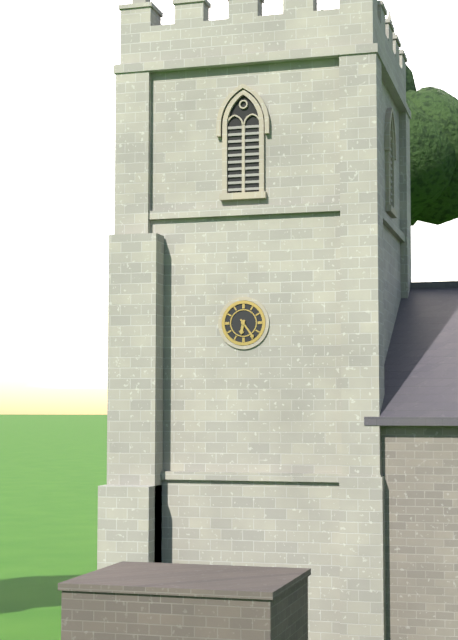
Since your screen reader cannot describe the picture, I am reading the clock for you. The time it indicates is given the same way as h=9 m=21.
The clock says h=6 m=24
